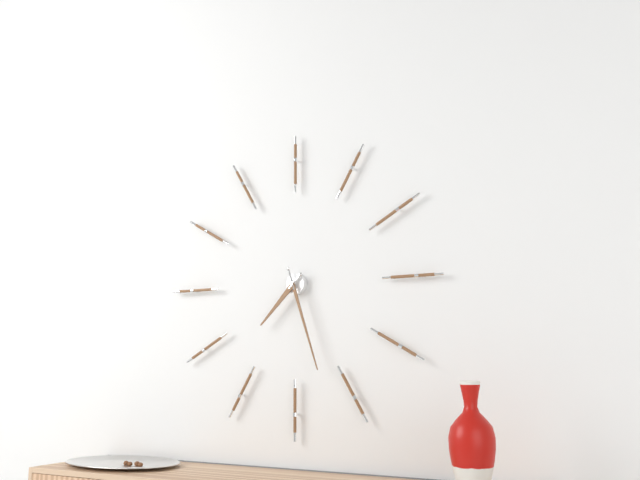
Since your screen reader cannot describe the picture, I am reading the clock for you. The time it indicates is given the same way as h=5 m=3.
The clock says h=7 m=27
